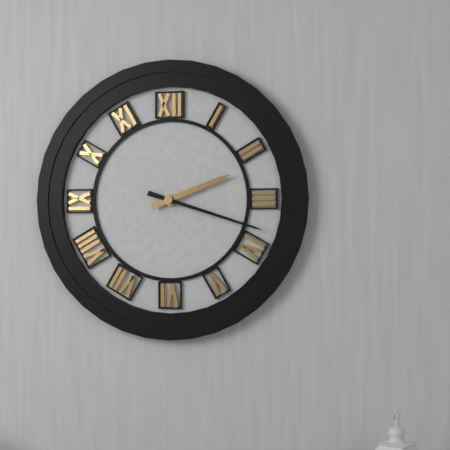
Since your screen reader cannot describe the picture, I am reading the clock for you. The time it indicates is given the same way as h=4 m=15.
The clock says h=2 m=18
